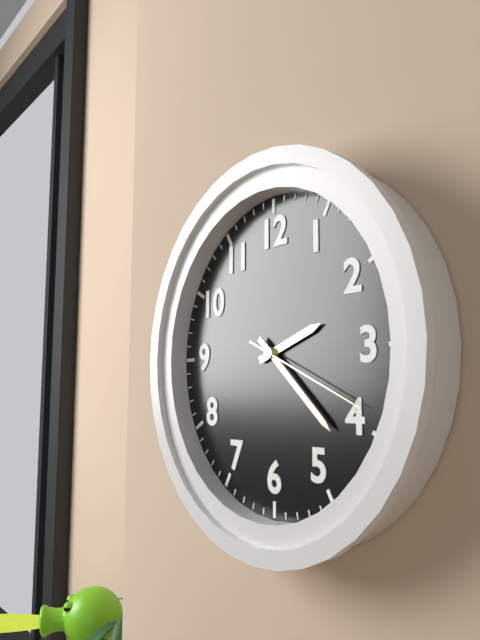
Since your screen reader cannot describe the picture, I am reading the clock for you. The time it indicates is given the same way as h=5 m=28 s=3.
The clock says h=2 m=22 s=19
